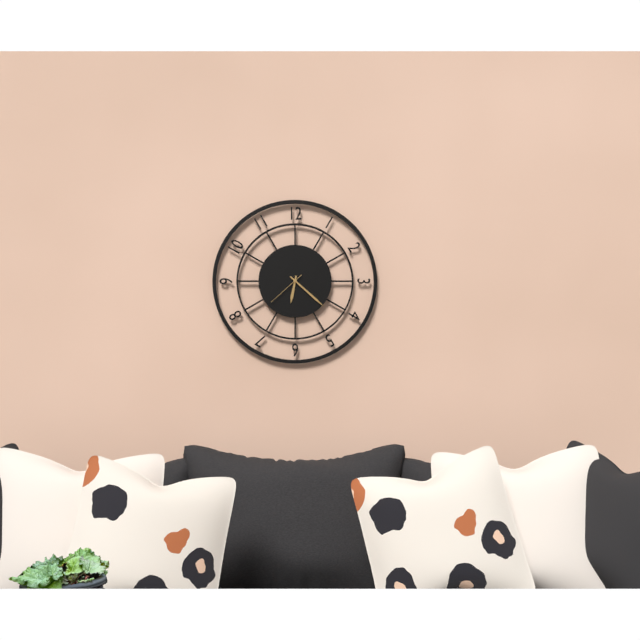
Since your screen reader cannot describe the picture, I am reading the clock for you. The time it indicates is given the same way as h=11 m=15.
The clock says h=6 m=22
